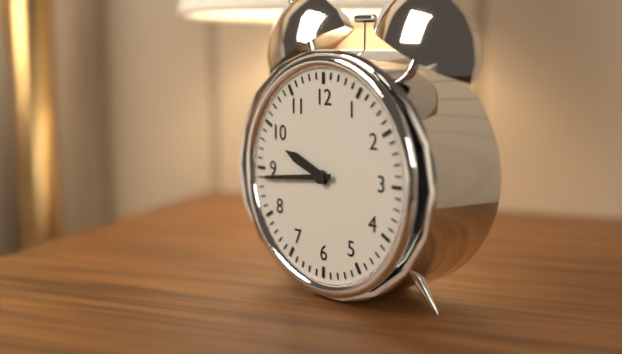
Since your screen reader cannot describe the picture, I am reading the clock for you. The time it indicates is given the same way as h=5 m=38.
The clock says h=9 m=44
